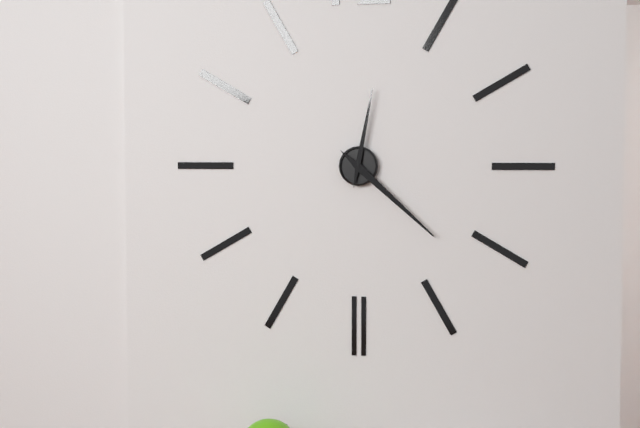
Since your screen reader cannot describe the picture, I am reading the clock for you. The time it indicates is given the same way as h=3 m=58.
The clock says h=12 m=22
